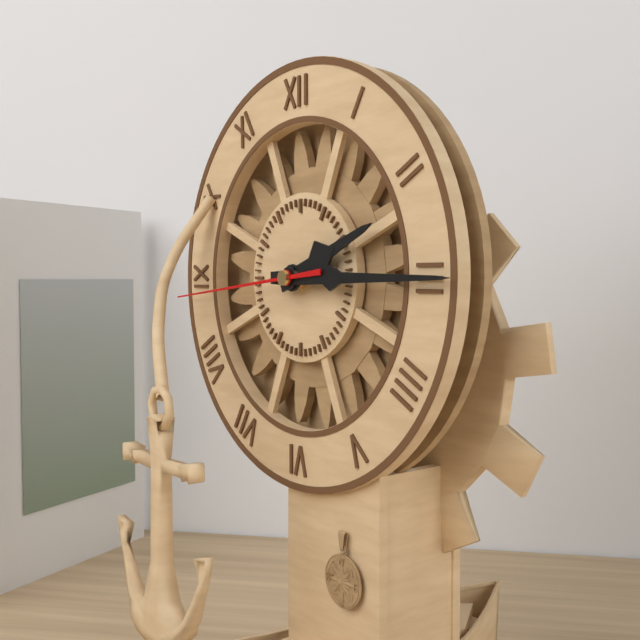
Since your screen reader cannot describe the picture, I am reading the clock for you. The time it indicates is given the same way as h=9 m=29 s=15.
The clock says h=2 m=15 s=44
